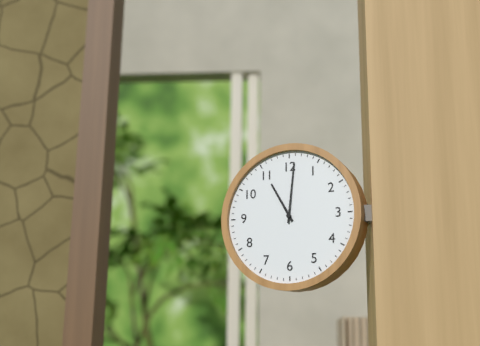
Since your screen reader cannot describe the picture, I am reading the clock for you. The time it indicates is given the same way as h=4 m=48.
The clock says h=11 m=1
